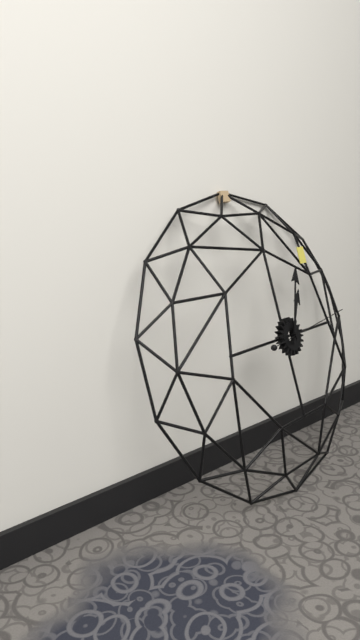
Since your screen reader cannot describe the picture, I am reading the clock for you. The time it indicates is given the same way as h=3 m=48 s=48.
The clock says h=1 m=4 s=14
